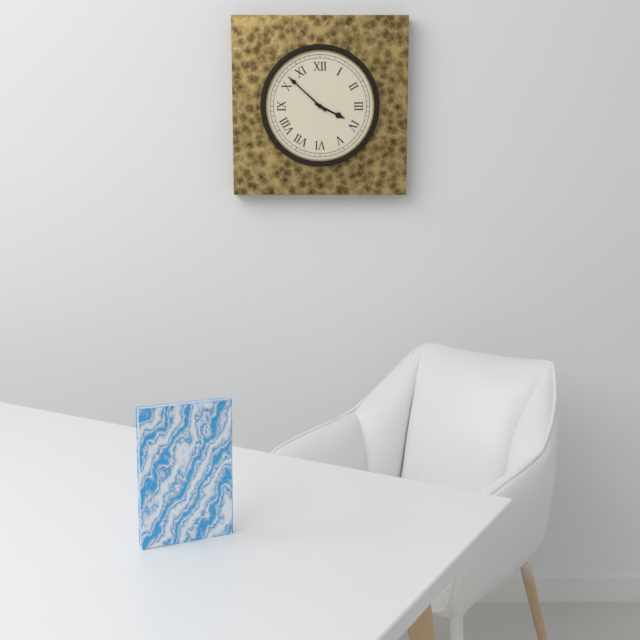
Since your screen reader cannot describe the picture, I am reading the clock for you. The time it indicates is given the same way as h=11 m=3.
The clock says h=3 m=52
